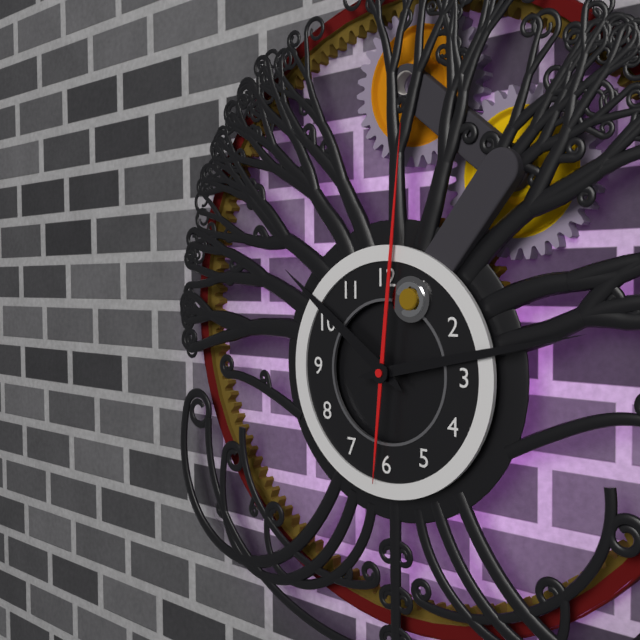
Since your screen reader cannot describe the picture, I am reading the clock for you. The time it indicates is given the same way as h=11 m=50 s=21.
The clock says h=10 m=13 s=1
